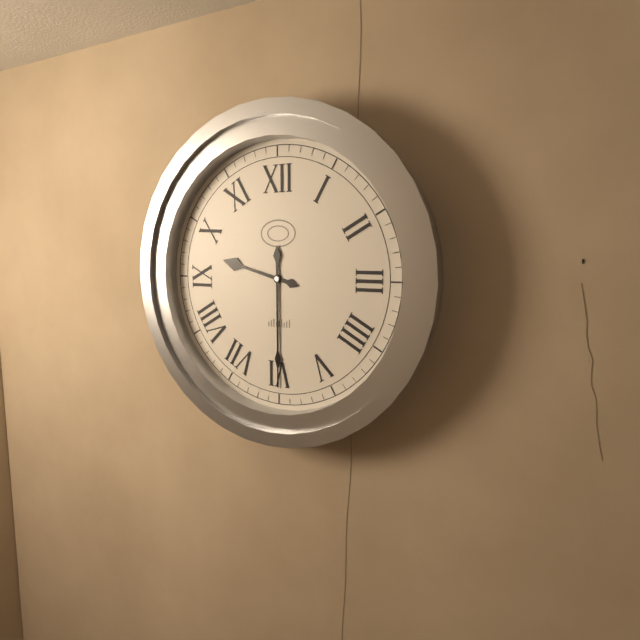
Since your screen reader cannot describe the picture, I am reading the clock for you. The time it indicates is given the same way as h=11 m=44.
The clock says h=9 m=30
